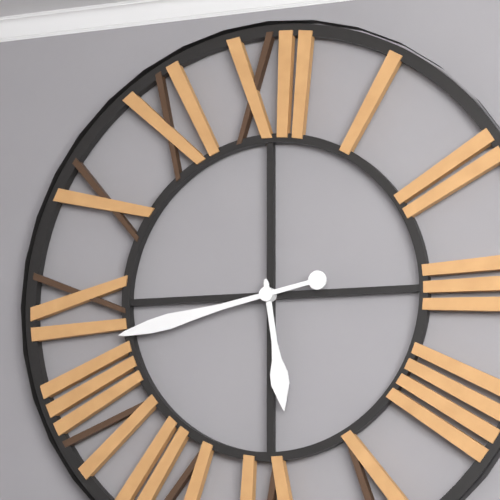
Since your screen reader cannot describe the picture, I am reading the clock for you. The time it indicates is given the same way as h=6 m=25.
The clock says h=5 m=43
